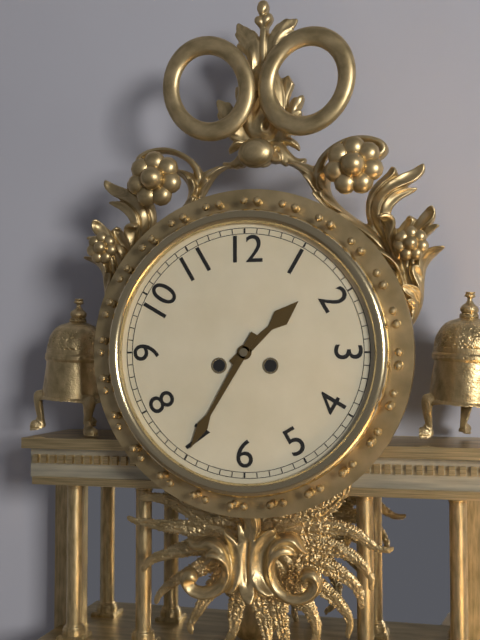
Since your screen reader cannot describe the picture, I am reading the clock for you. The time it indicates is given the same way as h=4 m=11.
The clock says h=1 m=35
